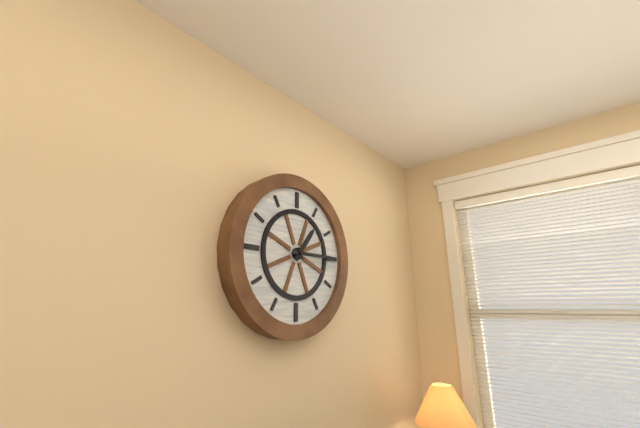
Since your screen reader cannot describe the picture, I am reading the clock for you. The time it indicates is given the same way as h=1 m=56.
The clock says h=1 m=15
